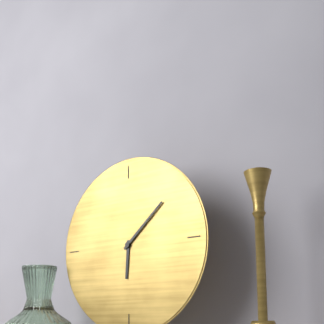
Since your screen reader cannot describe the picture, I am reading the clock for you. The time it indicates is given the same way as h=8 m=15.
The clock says h=6 m=8
